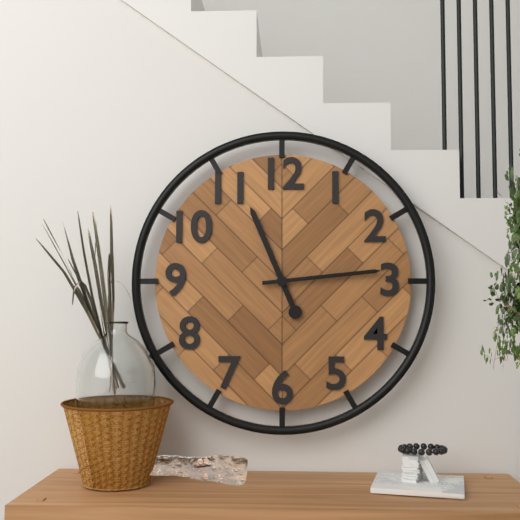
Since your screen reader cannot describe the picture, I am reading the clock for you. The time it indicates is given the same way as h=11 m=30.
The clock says h=11 m=14
